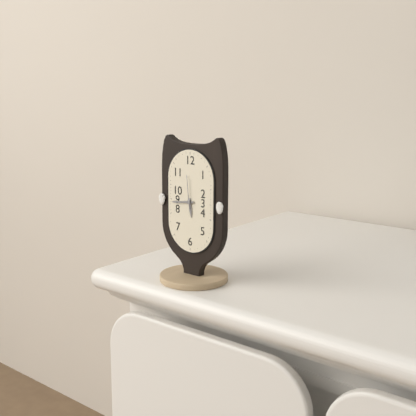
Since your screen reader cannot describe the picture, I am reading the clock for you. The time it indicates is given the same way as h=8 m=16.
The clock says h=5 m=44
